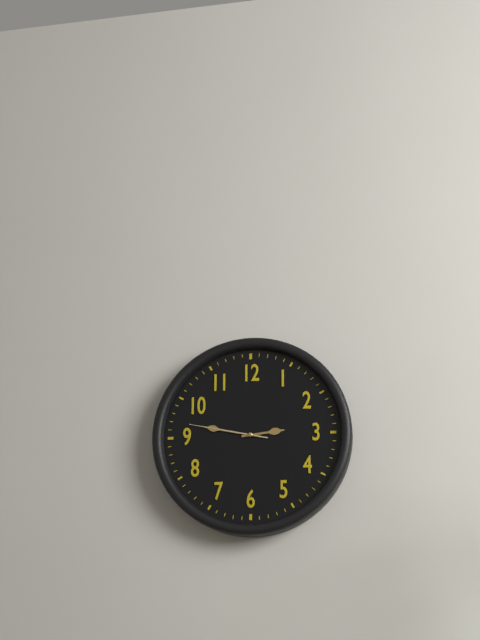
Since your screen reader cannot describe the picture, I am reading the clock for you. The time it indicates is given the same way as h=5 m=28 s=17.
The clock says h=2 m=47 s=47
